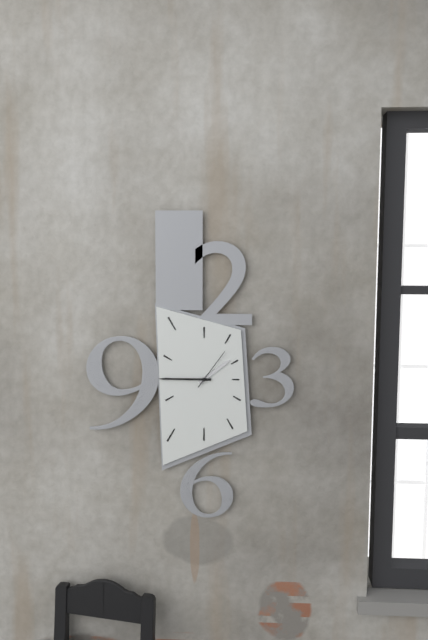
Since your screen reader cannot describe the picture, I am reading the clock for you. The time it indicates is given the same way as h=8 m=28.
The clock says h=1 m=45
